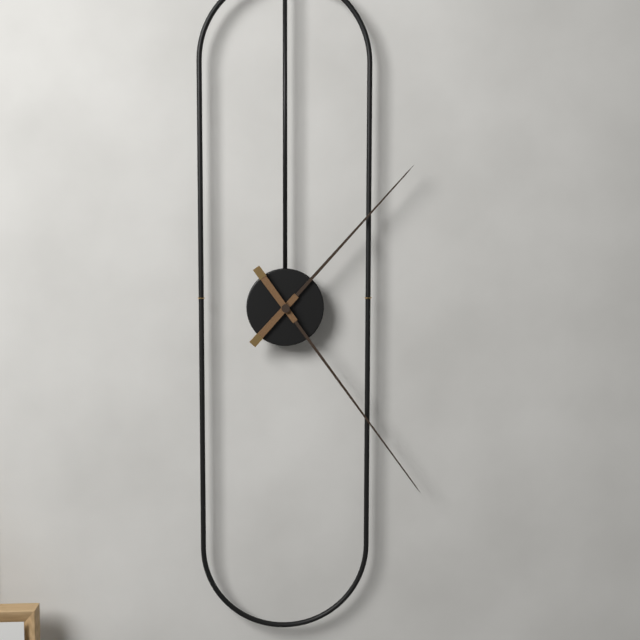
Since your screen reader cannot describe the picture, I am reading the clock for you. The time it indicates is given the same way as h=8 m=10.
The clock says h=1 m=24
